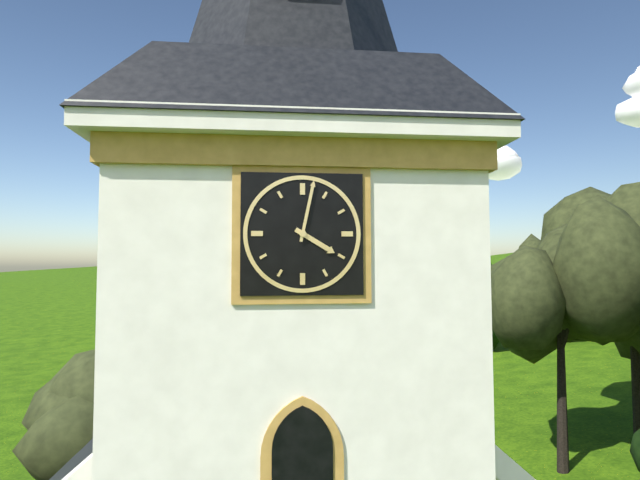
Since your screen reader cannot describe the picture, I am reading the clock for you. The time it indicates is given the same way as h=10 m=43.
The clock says h=4 m=2
